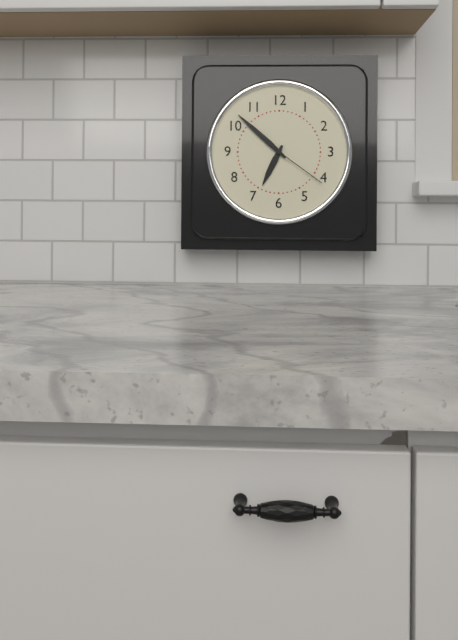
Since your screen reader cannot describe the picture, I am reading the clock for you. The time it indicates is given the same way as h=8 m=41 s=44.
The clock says h=6 m=52 s=21
